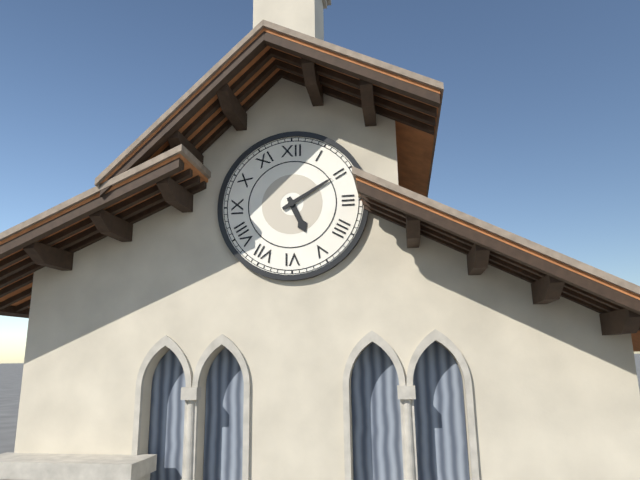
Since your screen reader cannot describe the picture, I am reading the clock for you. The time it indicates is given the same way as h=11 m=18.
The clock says h=5 m=10
